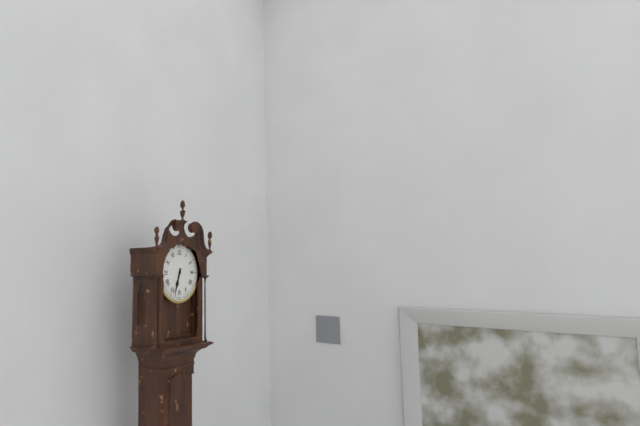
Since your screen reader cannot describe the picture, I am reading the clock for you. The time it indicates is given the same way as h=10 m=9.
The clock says h=6 m=33
